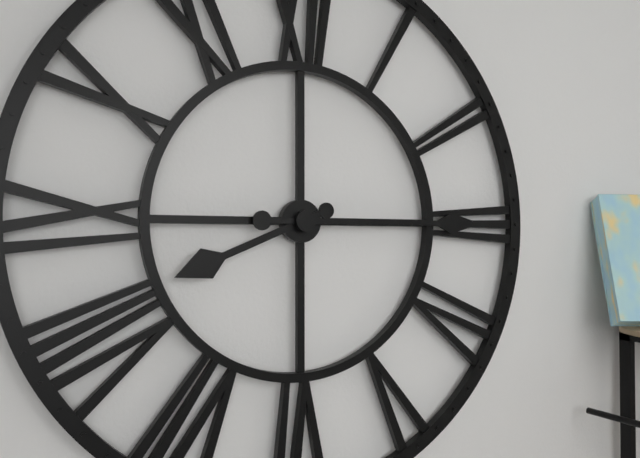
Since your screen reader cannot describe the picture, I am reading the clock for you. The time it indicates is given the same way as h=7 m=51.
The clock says h=8 m=15
